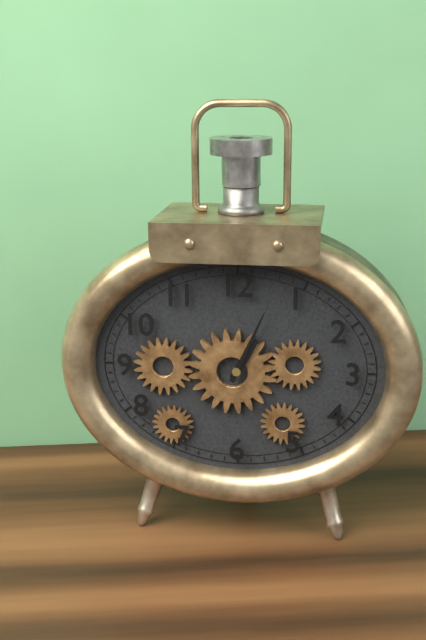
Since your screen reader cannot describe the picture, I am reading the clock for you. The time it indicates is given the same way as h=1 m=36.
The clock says h=1 m=4
